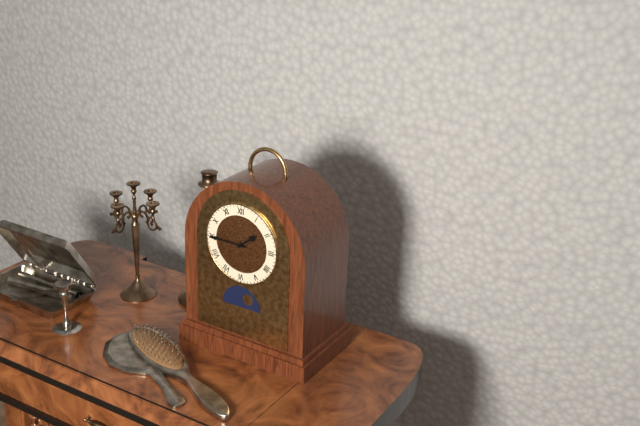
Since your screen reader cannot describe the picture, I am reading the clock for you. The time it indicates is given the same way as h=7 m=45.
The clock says h=1 m=45
